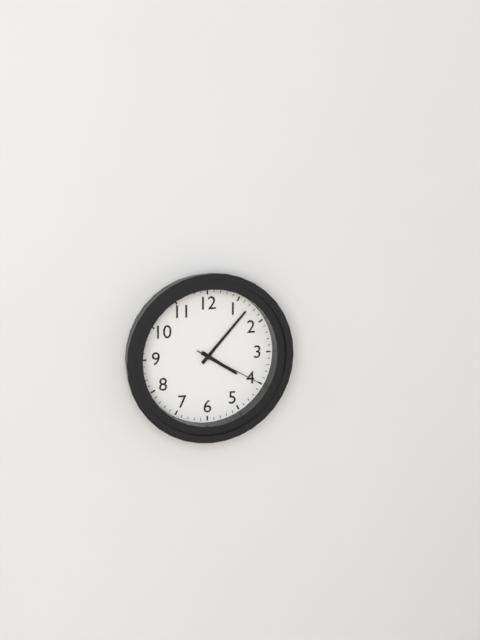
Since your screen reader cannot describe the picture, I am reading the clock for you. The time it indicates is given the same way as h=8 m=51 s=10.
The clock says h=4 m=7 s=20
